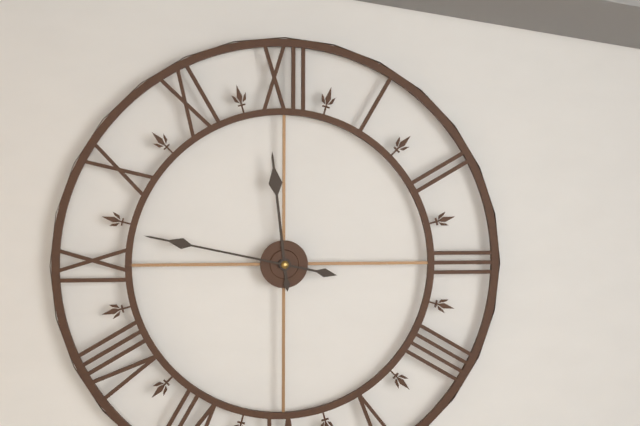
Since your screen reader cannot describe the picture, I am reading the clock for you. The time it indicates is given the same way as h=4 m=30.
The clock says h=11 m=47
